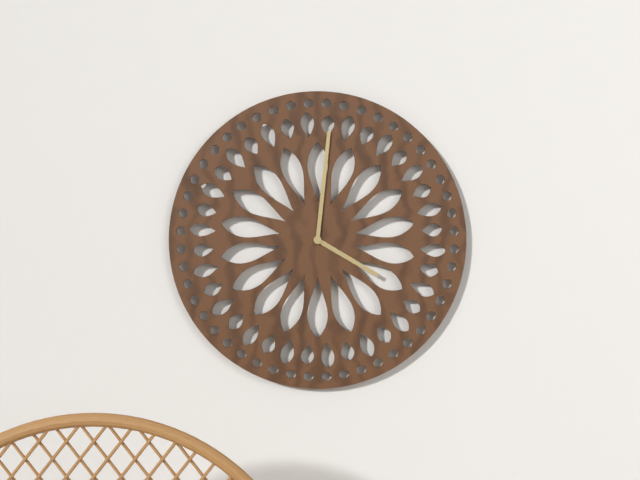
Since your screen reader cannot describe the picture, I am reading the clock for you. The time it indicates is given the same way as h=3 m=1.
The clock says h=4 m=1
